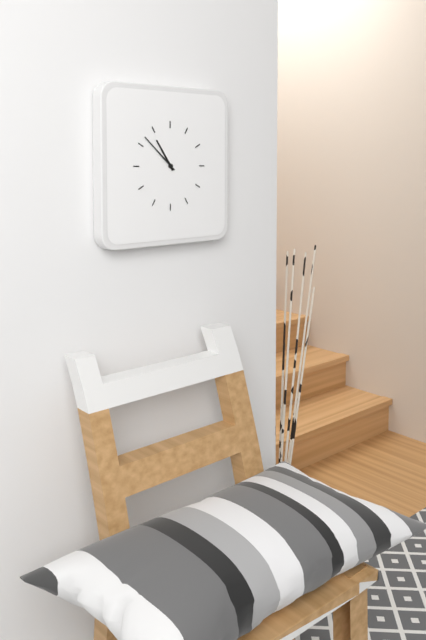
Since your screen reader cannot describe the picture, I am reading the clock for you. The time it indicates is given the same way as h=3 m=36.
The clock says h=10 m=52
